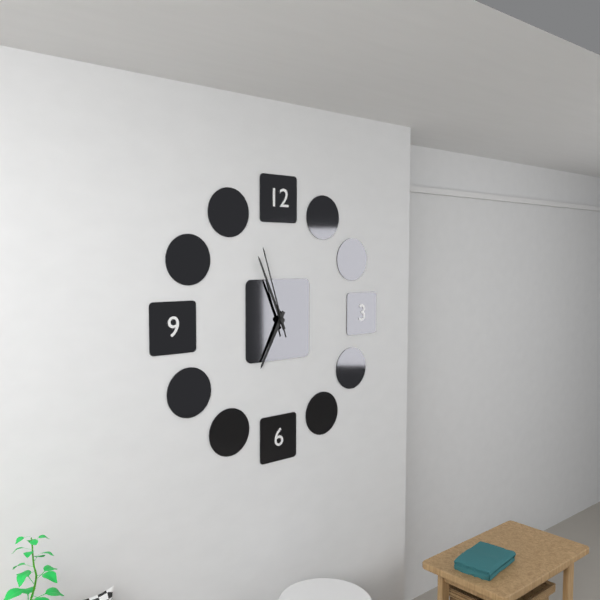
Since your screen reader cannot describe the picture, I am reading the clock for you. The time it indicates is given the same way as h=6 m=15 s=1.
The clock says h=6 m=56 s=57
